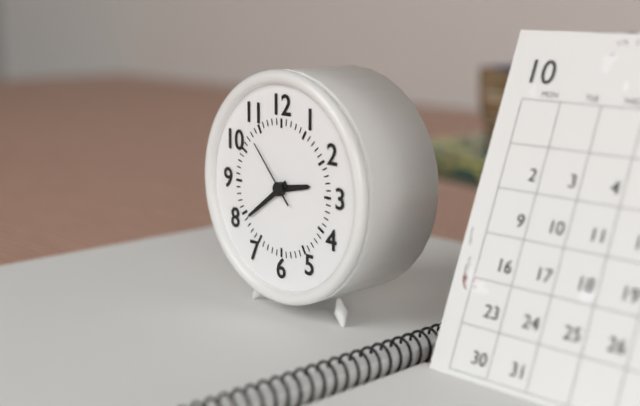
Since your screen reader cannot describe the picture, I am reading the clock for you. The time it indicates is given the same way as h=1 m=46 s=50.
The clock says h=2 m=39 s=53
